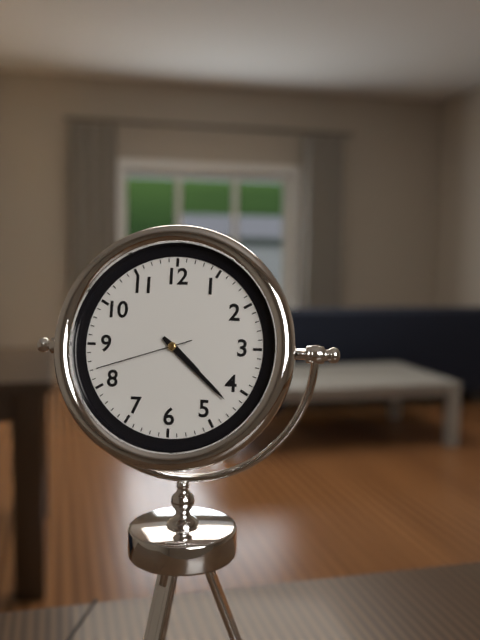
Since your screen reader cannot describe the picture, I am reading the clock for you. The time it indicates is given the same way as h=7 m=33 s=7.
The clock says h=4 m=22 s=42
